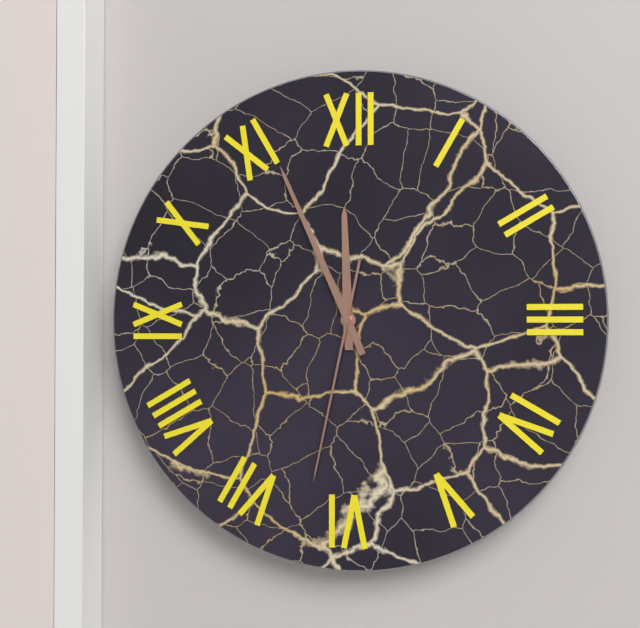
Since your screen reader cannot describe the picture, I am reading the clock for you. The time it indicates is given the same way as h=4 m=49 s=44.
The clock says h=11 m=56 s=32
